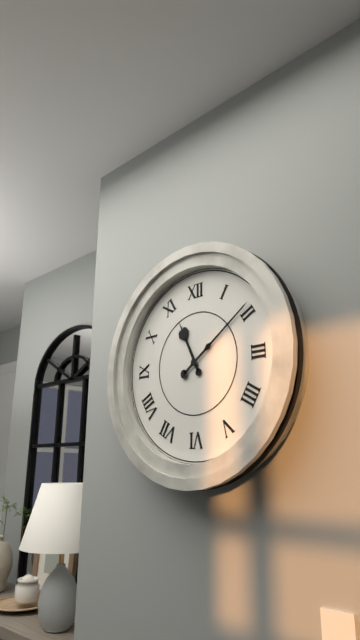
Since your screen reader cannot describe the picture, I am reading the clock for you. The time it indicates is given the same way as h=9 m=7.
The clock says h=11 m=9
